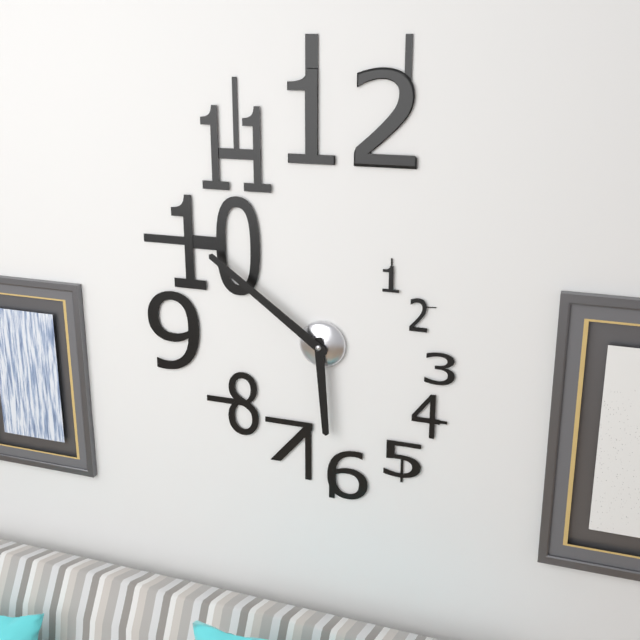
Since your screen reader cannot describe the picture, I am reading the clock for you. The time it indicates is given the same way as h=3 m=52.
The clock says h=5 m=51
